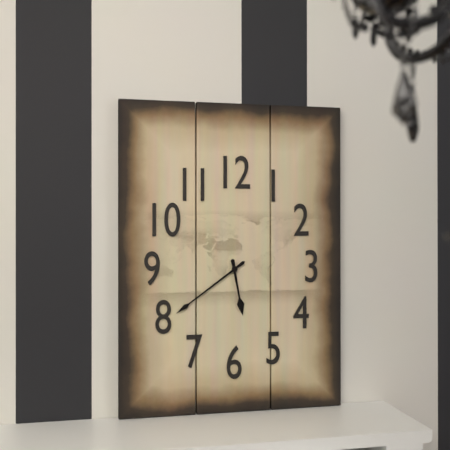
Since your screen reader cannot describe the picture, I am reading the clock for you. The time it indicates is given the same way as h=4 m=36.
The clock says h=5 m=39
